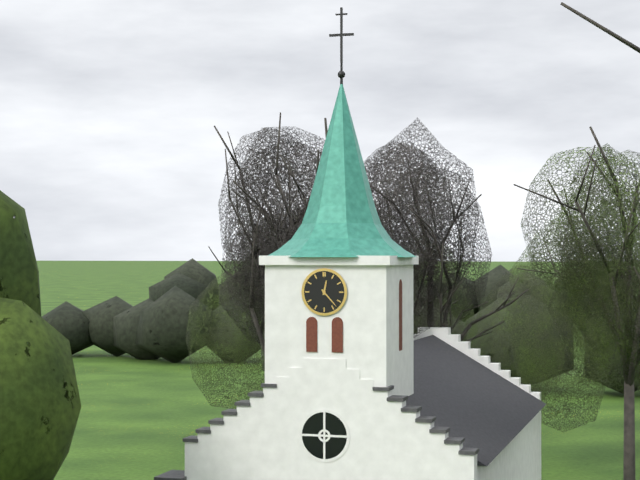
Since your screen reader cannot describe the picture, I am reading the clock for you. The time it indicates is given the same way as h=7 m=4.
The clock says h=12 m=23
